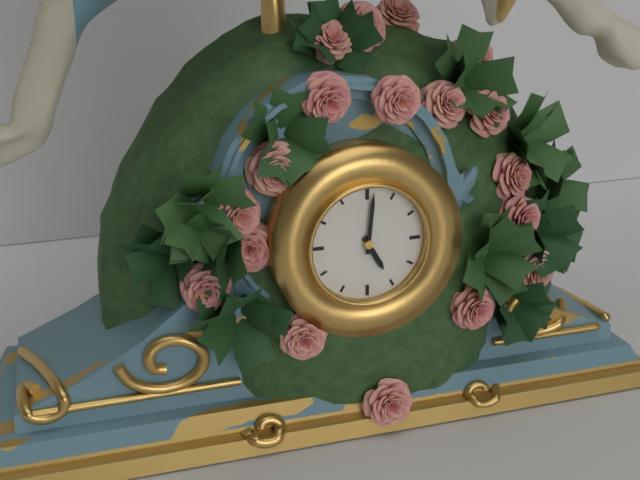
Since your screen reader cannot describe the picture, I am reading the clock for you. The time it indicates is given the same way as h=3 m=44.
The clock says h=5 m=1
